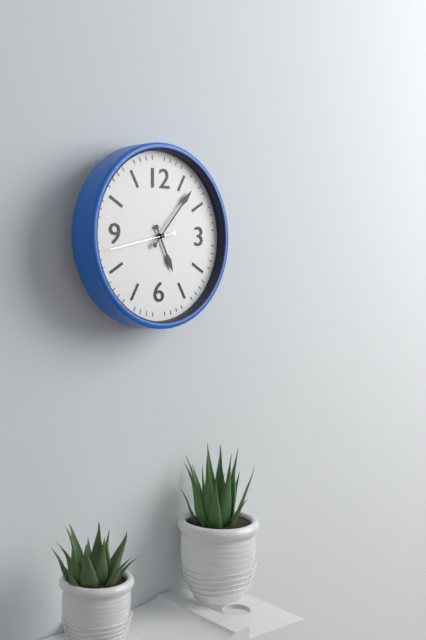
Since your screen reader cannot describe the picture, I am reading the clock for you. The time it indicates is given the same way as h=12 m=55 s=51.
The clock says h=5 m=7 s=43
